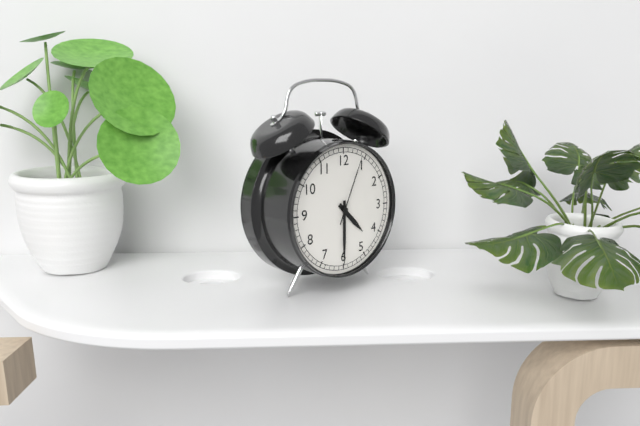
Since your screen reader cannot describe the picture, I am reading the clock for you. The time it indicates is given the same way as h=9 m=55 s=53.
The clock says h=4 m=30 s=4
